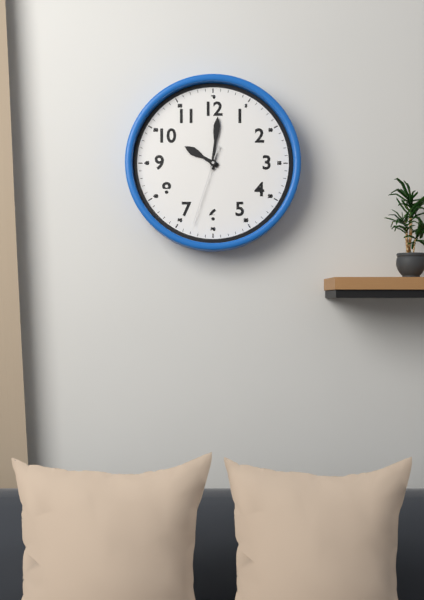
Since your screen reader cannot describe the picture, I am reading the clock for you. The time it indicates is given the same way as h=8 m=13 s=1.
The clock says h=10 m=1 s=33
